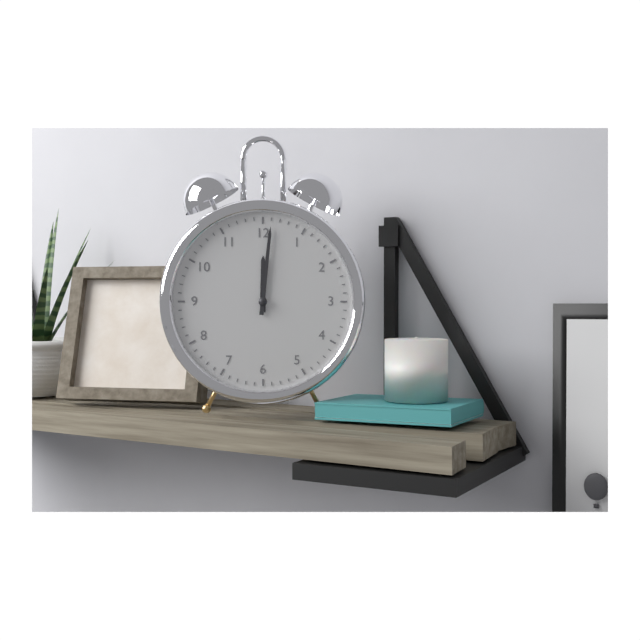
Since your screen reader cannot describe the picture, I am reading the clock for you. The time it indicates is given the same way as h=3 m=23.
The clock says h=12 m=1
